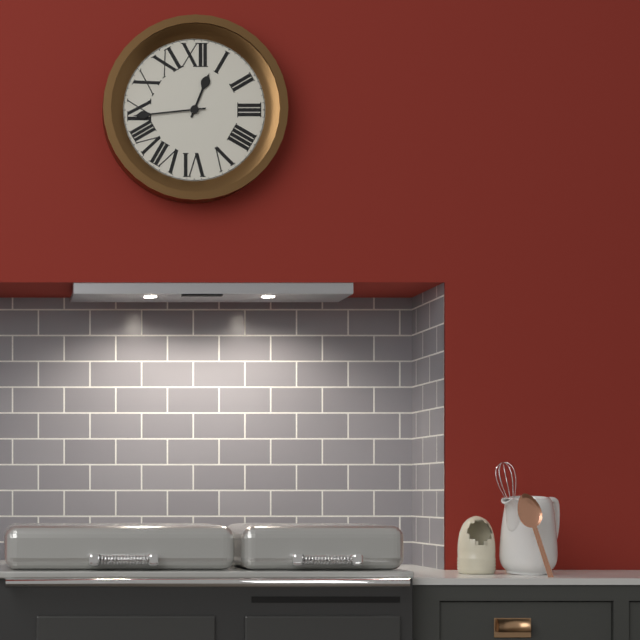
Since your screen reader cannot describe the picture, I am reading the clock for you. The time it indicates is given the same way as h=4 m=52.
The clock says h=12 m=44
